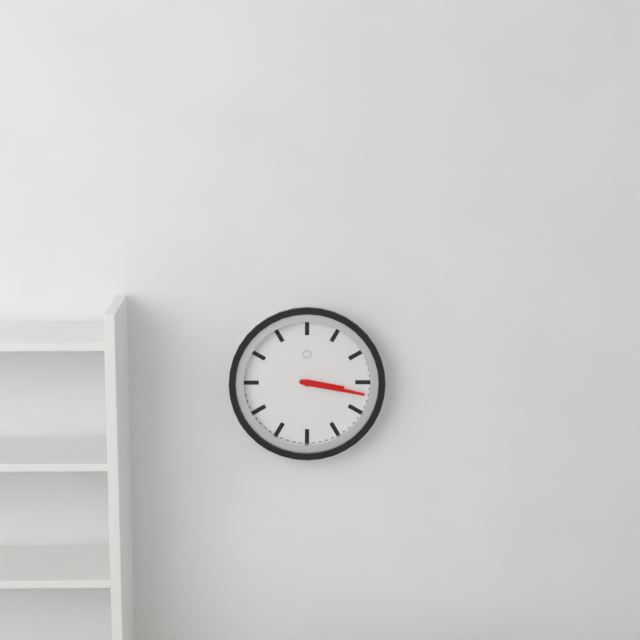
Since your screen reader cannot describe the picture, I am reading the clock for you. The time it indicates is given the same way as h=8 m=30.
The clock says h=3 m=17
